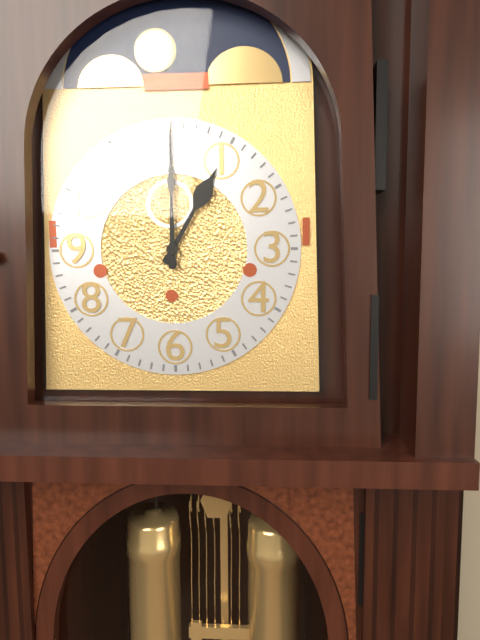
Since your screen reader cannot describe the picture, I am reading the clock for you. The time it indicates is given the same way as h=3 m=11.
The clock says h=1 m=0
